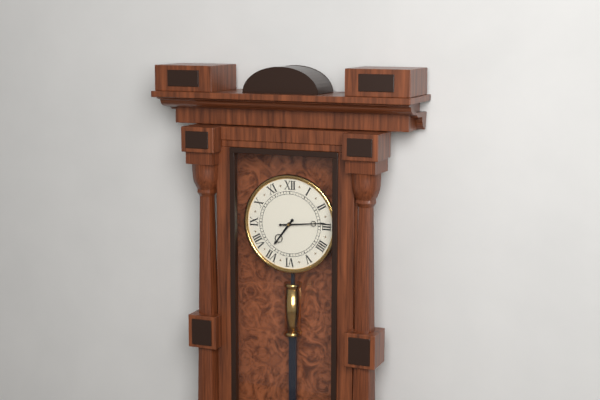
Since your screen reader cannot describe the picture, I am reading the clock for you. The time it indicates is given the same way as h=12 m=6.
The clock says h=7 m=14
